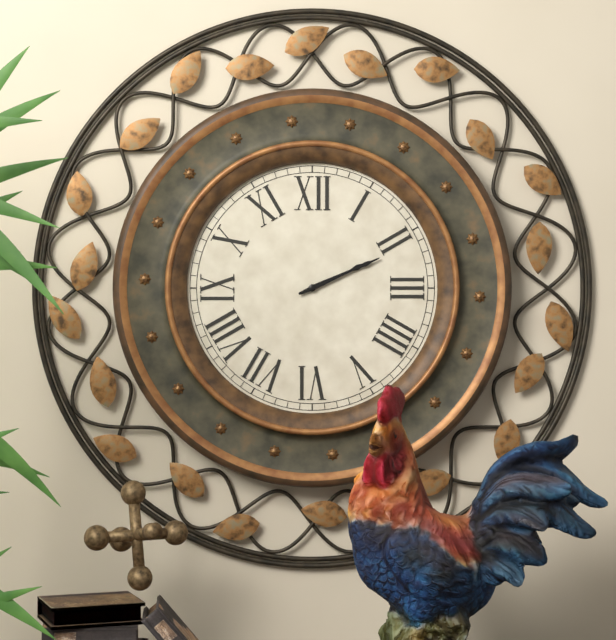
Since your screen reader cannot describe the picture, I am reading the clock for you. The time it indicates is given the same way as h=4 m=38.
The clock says h=2 m=11
